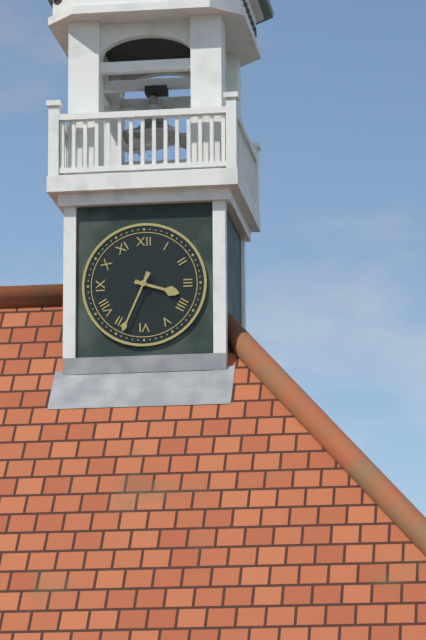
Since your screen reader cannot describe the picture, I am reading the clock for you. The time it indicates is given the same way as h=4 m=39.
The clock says h=3 m=34
